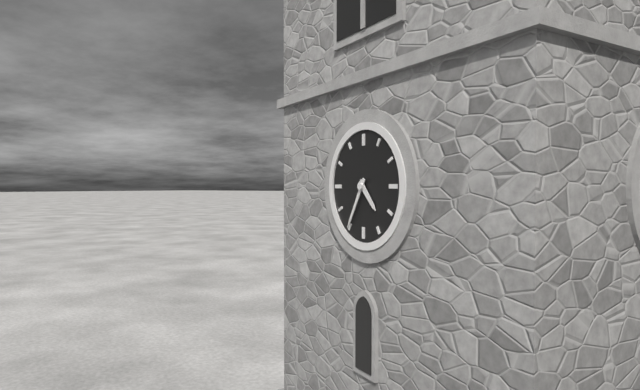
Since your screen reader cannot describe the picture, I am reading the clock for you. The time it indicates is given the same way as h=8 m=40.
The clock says h=4 m=35
